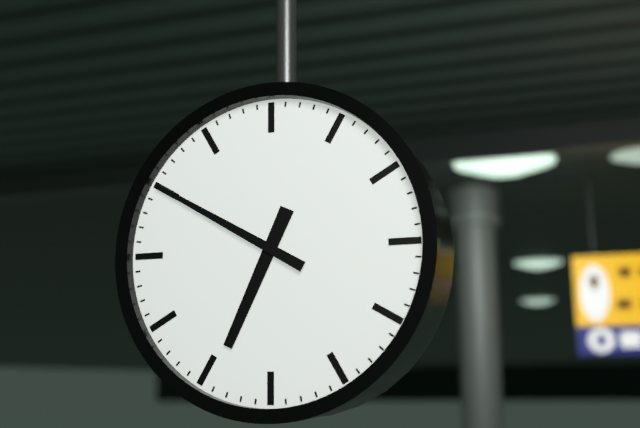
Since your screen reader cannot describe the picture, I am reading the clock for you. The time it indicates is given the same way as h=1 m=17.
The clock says h=6 m=50
